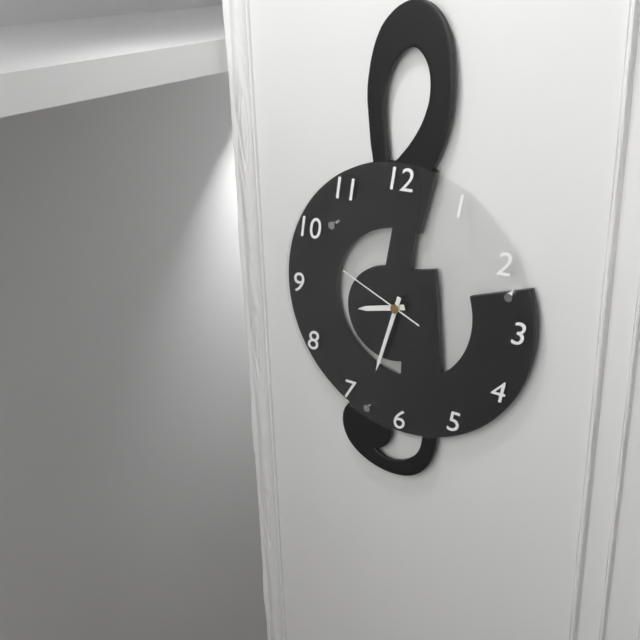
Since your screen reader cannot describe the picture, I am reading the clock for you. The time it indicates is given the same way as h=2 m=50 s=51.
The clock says h=8 m=33 s=49
